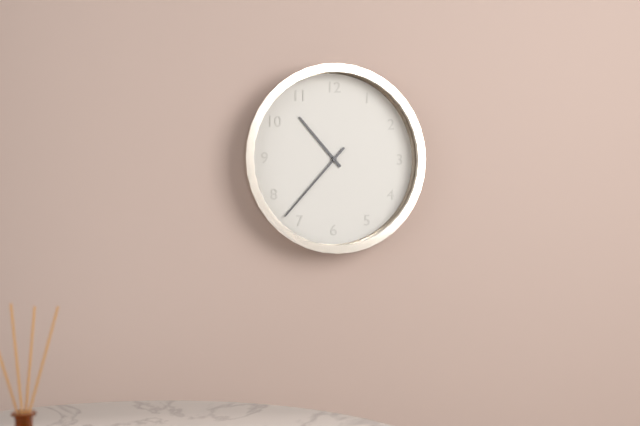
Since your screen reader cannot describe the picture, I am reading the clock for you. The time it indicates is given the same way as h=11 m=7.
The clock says h=10 m=37
